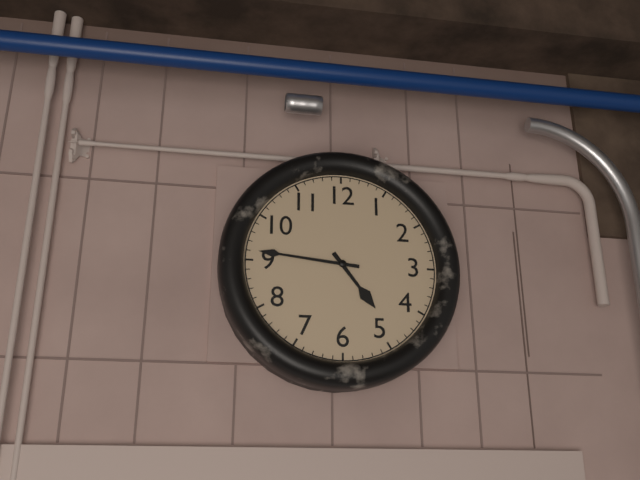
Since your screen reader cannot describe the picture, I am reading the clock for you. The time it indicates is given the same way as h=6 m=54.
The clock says h=4 m=46
